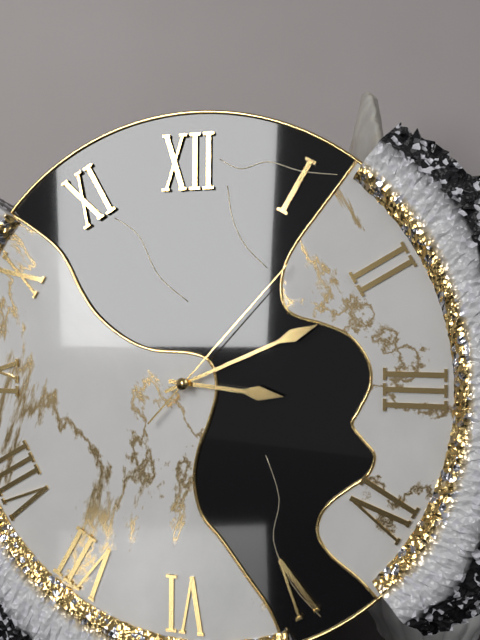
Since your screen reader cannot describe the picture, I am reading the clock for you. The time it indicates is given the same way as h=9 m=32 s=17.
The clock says h=3 m=11 s=7
